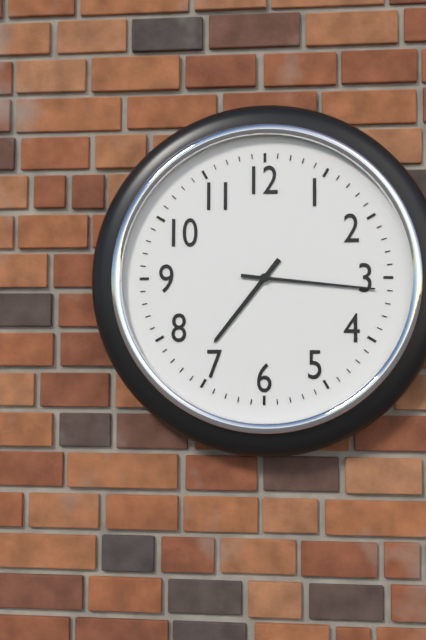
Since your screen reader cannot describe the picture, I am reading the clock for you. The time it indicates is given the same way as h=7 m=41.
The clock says h=7 m=16
